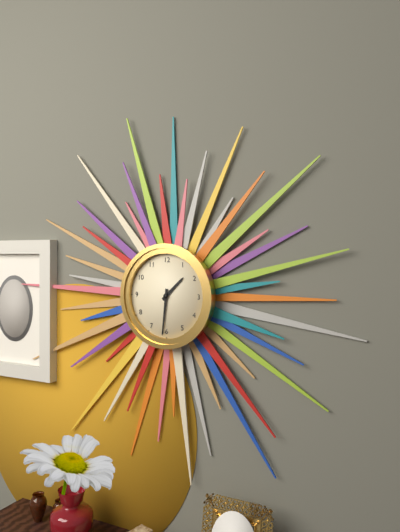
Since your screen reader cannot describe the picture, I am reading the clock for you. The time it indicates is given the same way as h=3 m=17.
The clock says h=1 m=31
